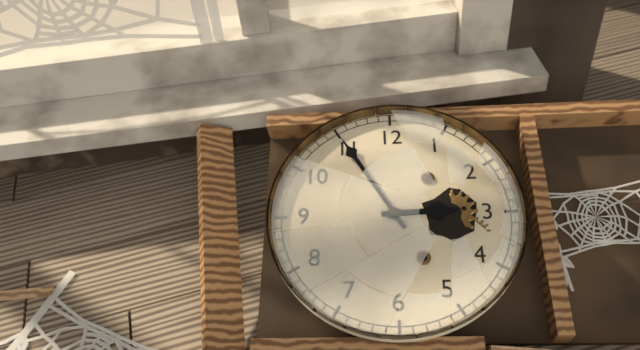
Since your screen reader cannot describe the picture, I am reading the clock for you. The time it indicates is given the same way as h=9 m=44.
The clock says h=2 m=55
